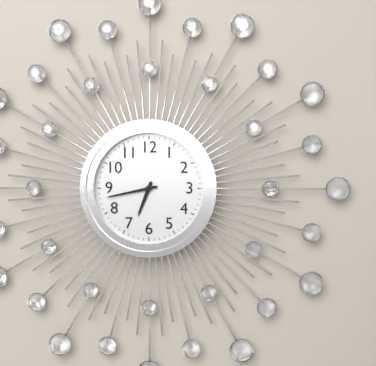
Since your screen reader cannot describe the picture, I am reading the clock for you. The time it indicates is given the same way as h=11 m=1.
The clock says h=6 m=43
